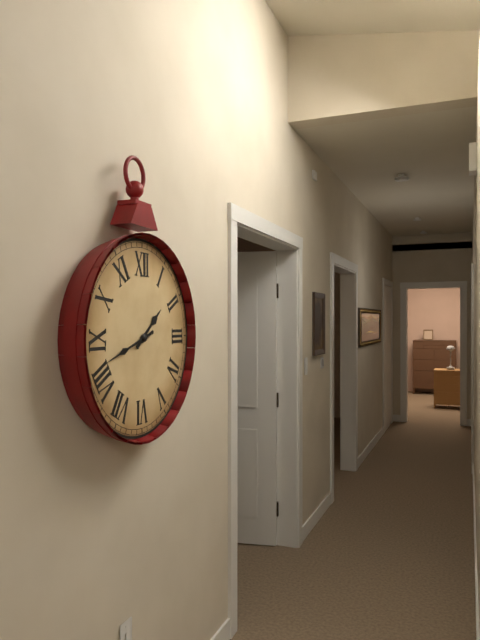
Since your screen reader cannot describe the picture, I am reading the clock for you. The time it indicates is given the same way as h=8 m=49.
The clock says h=1 m=42
